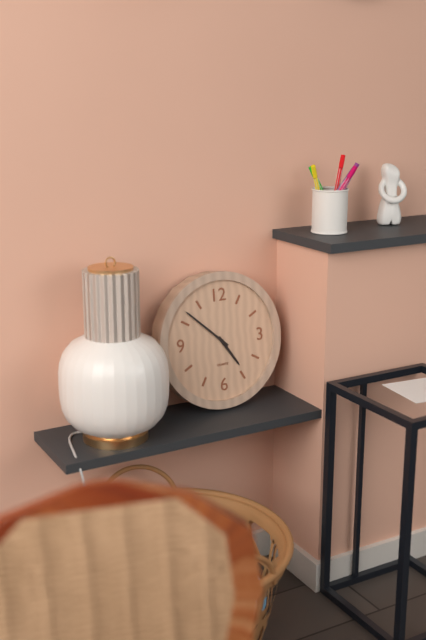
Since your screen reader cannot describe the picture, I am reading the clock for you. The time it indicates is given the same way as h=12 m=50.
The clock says h=4 m=52
